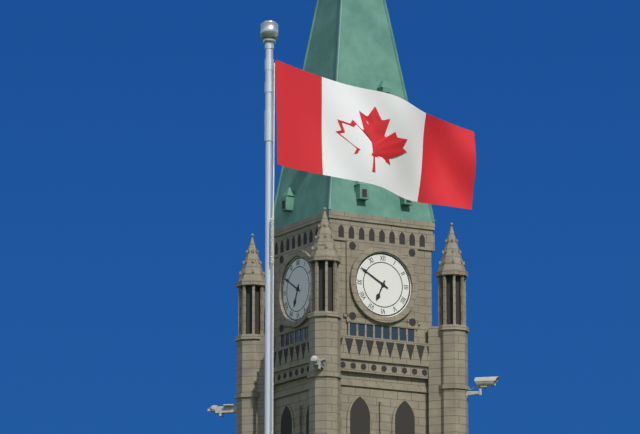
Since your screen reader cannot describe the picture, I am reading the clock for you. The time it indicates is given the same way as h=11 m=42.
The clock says h=6 m=50
